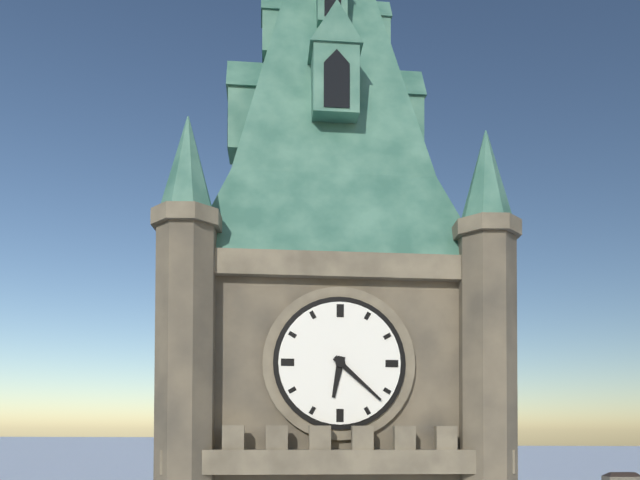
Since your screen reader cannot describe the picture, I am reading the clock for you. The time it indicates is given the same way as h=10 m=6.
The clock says h=6 m=22
